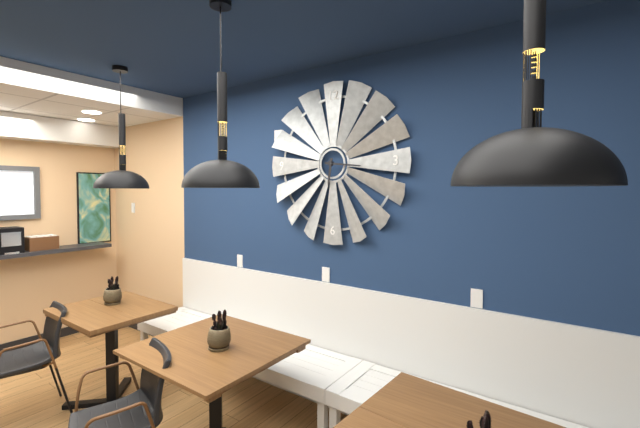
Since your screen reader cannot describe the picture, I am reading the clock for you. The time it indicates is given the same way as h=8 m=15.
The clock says h=6 m=16
